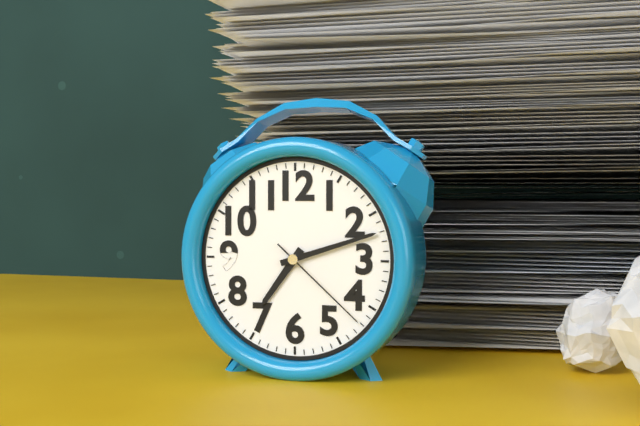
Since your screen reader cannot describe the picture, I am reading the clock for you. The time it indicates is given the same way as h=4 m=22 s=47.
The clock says h=7 m=12 s=22
